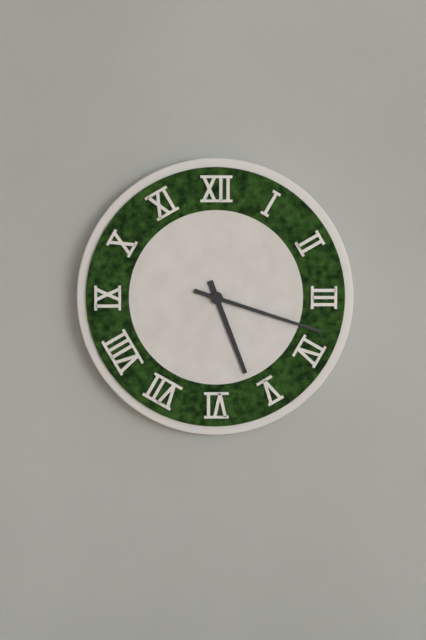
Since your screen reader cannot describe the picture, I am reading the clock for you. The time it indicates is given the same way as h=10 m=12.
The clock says h=5 m=18
